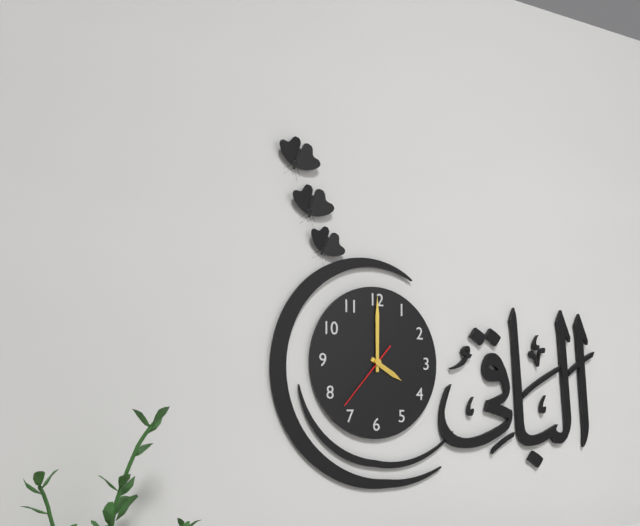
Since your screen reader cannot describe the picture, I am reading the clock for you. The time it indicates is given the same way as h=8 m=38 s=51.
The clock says h=4 m=0 s=37
